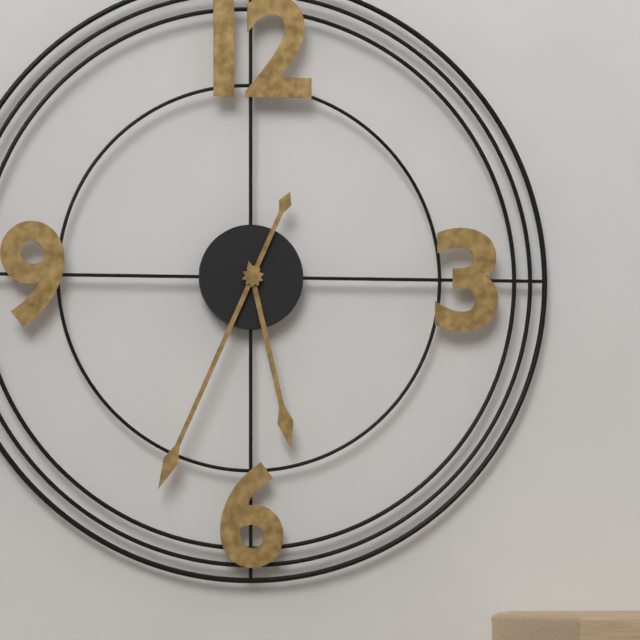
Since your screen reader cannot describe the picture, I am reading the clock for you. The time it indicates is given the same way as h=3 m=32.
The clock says h=5 m=34
